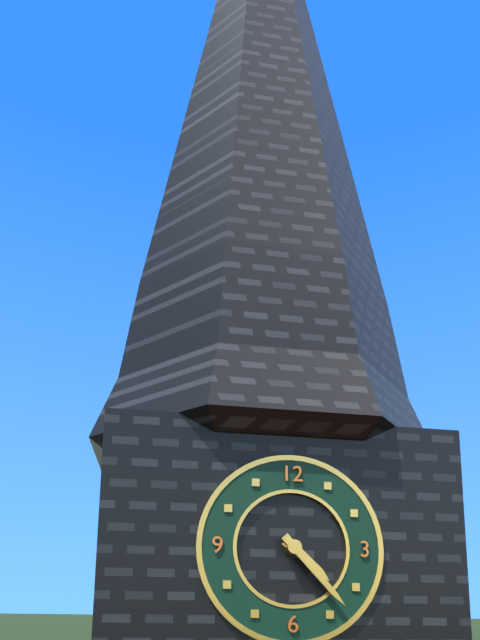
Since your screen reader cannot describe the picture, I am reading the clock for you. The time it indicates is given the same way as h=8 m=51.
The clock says h=4 m=23
